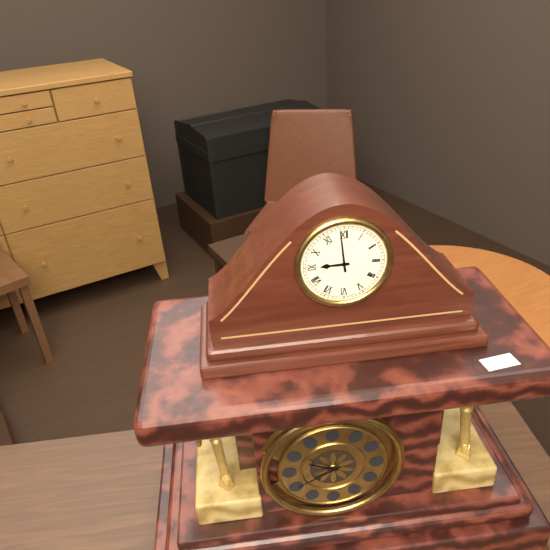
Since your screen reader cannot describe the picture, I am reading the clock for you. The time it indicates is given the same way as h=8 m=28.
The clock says h=8 m=59
